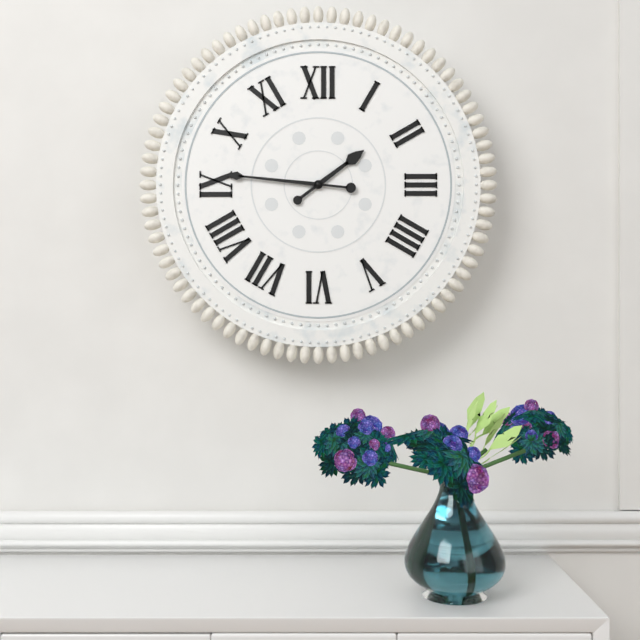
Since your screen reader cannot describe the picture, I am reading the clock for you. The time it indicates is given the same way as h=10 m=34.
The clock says h=1 m=46
